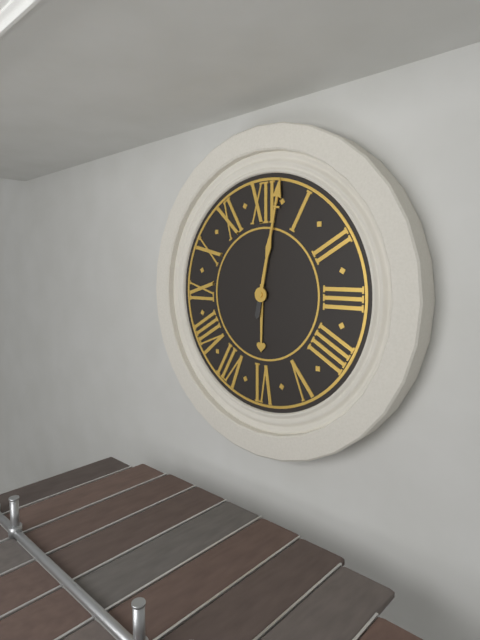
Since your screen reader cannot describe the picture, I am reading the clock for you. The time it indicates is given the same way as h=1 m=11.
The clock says h=6 m=2
